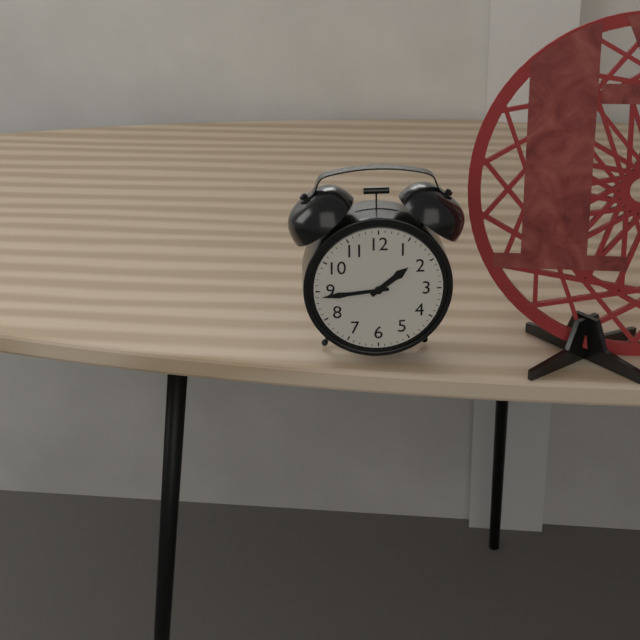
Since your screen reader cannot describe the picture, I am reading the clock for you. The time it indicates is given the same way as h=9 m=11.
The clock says h=1 m=44
